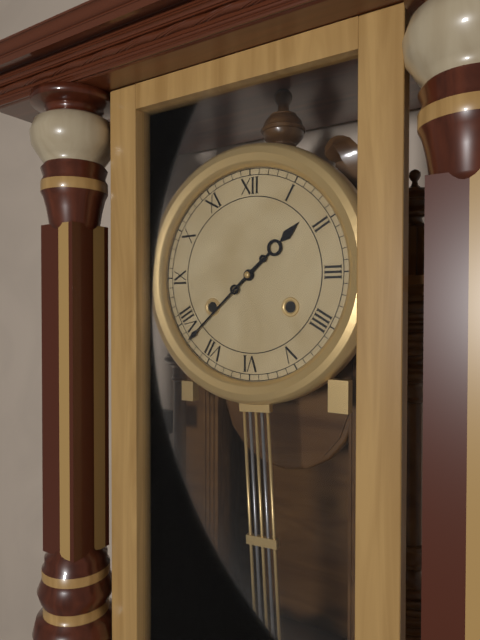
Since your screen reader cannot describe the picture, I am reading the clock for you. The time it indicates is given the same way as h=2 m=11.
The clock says h=1 m=38
